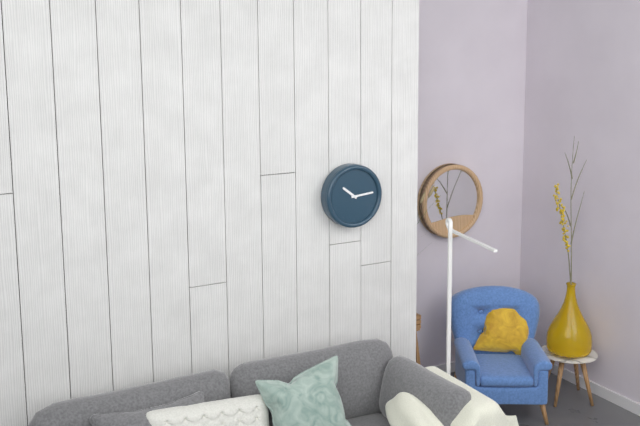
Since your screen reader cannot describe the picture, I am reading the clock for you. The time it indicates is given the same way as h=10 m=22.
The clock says h=10 m=14
